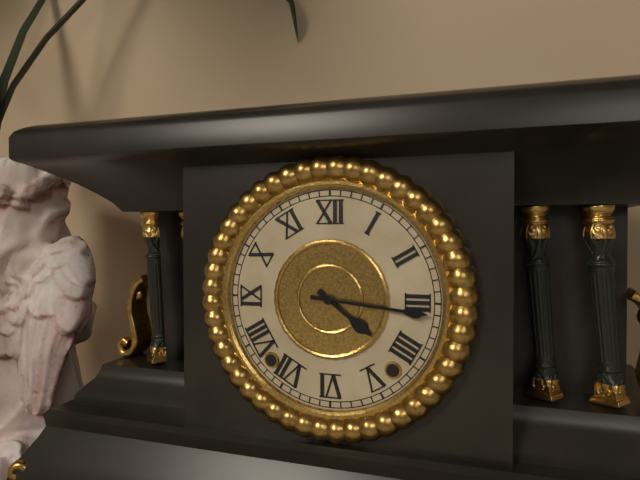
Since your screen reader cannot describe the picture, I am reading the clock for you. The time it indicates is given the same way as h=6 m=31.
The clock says h=4 m=16
